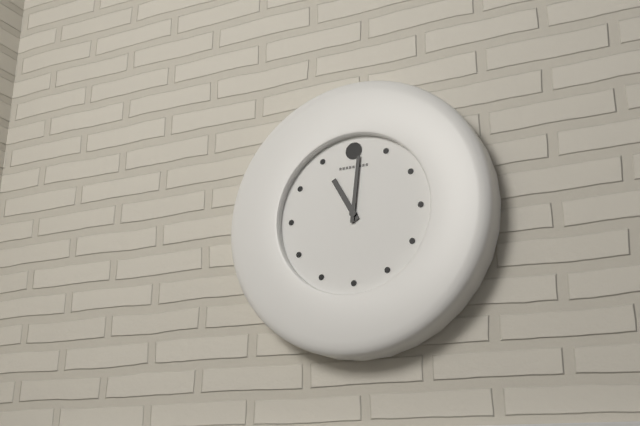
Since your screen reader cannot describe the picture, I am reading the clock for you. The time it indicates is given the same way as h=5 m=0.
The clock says h=11 m=1
